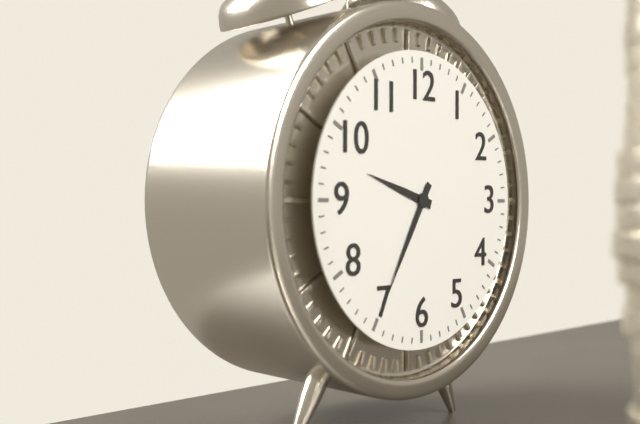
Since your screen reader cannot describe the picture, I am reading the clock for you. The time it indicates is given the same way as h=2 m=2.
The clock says h=9 m=35
